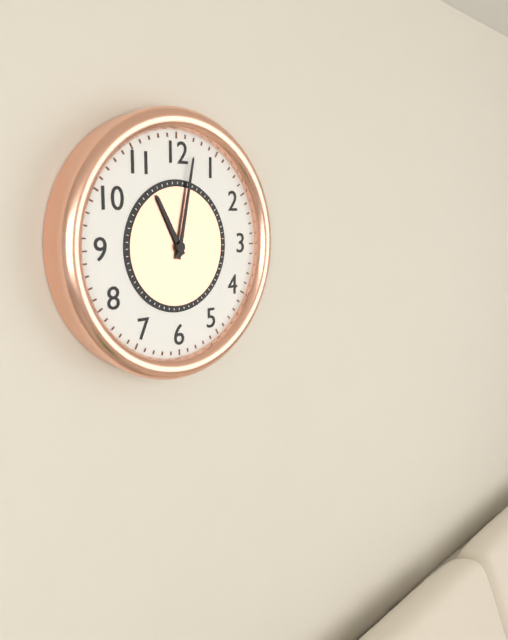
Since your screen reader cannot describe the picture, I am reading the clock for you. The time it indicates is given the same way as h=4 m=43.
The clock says h=11 m=2
